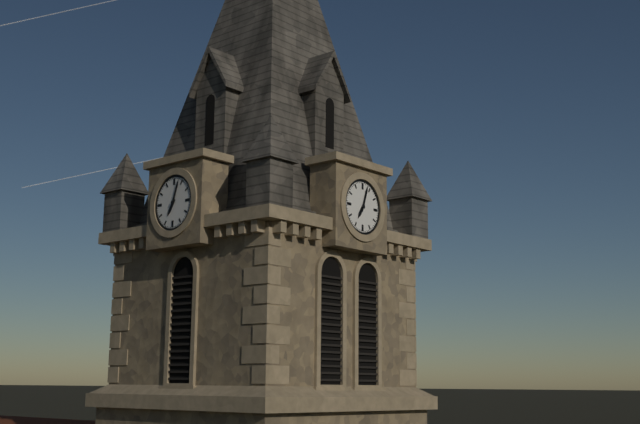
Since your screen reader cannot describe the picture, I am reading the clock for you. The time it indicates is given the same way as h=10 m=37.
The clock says h=7 m=3
